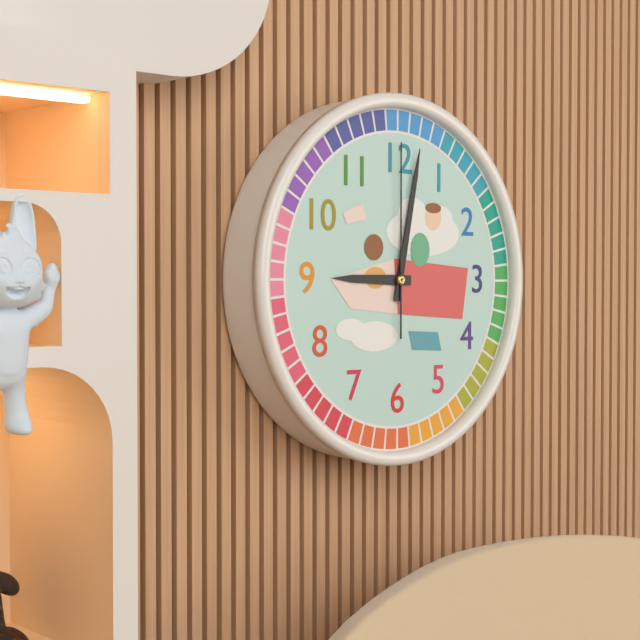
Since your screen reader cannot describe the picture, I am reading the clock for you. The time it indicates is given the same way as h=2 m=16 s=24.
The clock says h=9 m=2 s=0
